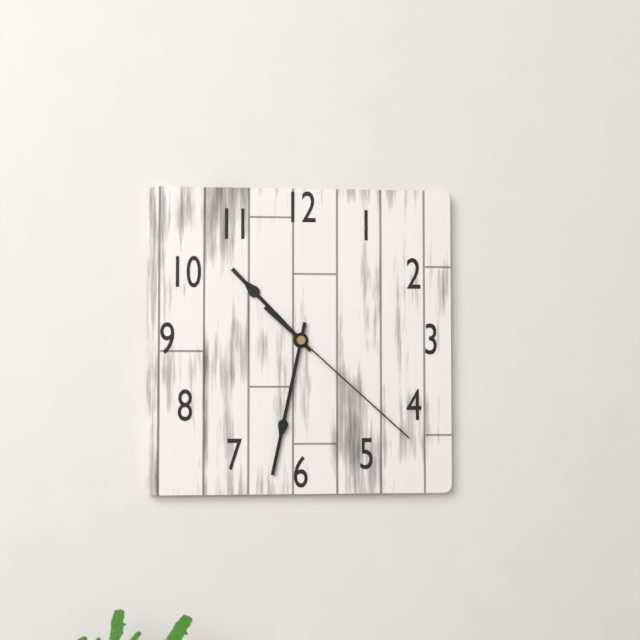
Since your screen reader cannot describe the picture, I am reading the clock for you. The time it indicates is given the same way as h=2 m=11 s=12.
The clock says h=10 m=32 s=22
